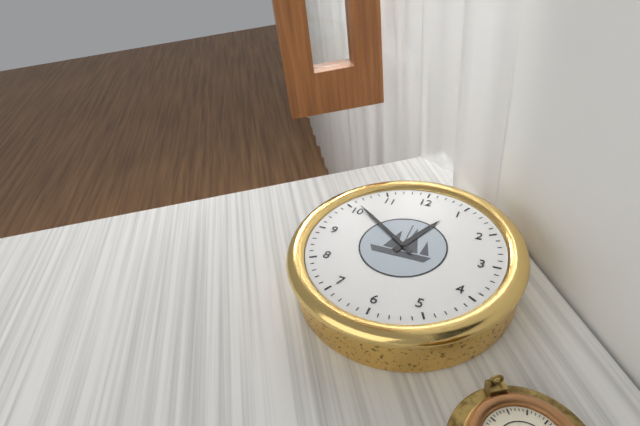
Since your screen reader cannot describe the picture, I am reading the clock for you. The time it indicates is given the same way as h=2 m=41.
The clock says h=12 m=51
